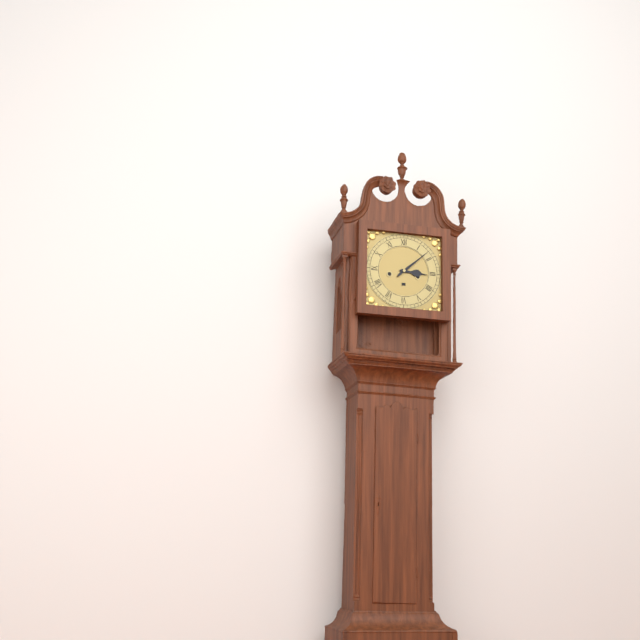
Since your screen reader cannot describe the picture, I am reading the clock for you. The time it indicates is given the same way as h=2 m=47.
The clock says h=3 m=8
